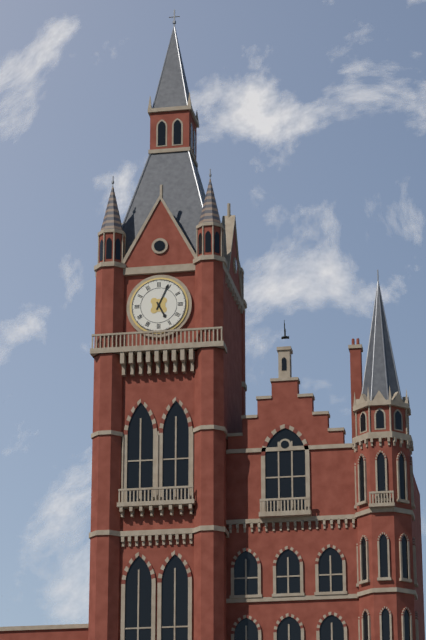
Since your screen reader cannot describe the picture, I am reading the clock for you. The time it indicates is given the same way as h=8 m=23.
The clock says h=5 m=4
